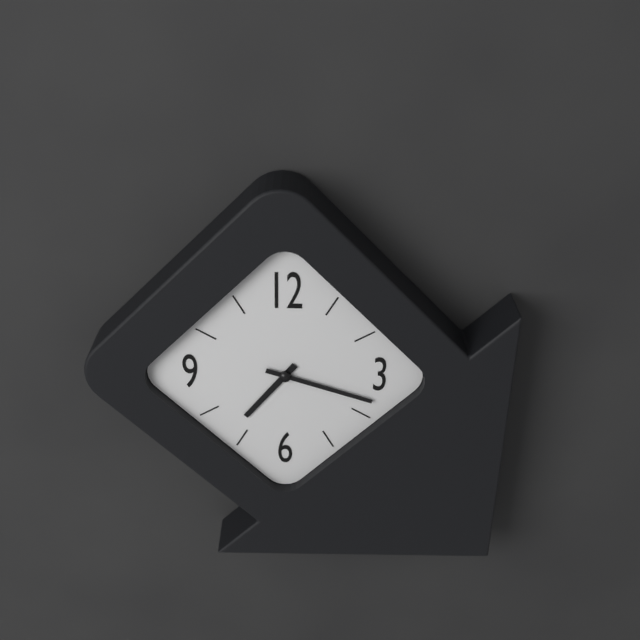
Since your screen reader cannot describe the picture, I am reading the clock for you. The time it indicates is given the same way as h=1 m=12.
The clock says h=7 m=18
